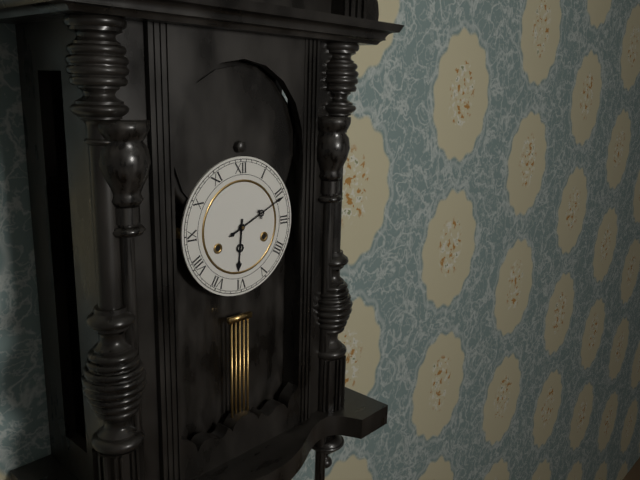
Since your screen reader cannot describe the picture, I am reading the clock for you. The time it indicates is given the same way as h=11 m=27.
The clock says h=6 m=11
